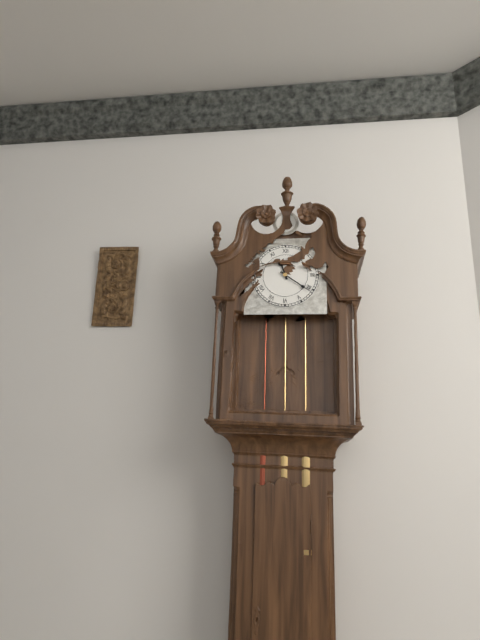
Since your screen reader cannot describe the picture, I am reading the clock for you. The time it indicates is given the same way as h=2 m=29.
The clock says h=11 m=21
